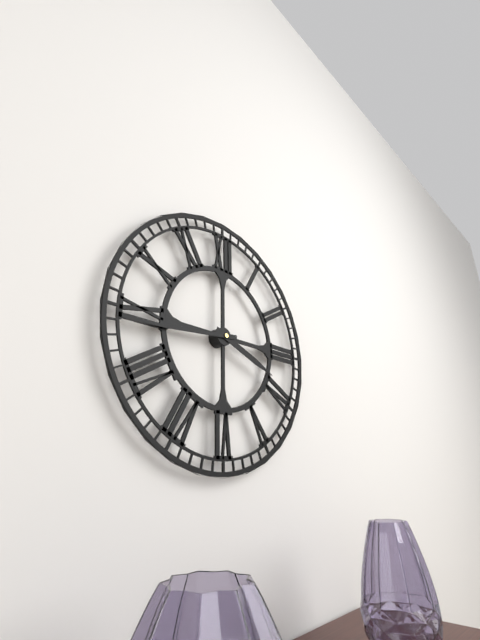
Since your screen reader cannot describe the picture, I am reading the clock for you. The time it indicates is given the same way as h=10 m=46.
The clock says h=3 m=44
